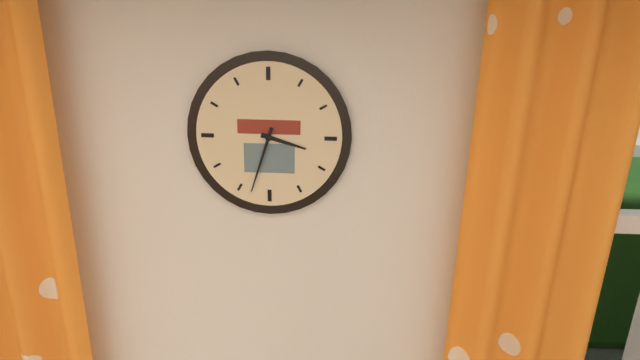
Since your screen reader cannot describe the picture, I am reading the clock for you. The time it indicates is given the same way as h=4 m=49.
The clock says h=3 m=33
